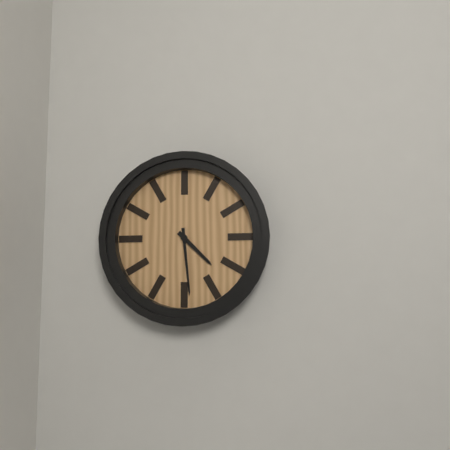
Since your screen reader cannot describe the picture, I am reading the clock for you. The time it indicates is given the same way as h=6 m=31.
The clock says h=4 m=29
